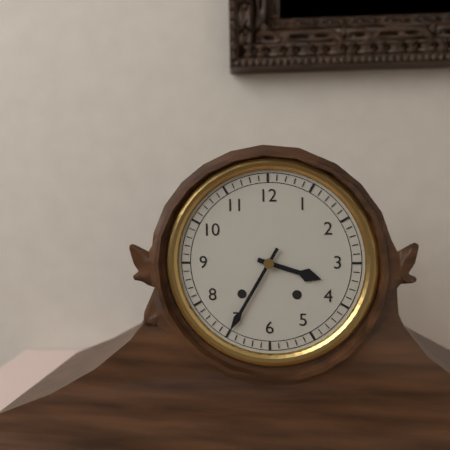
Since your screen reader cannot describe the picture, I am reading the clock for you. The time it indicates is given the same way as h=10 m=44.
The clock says h=3 m=35
